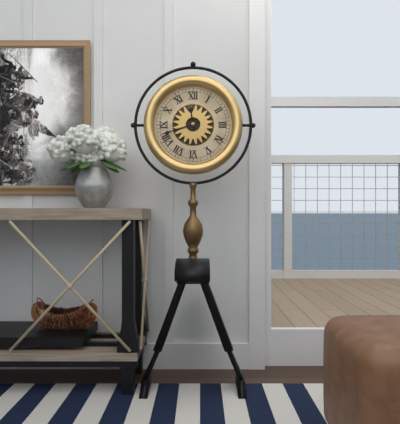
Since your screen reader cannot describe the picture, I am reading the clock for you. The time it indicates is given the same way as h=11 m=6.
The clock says h=11 m=42
